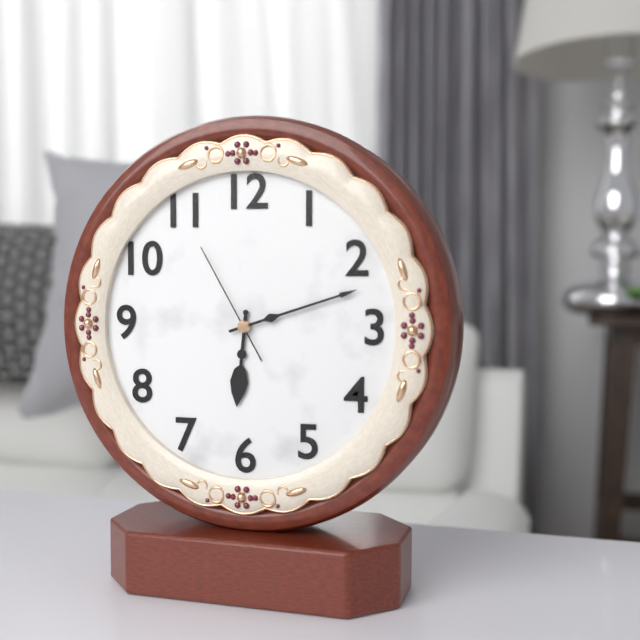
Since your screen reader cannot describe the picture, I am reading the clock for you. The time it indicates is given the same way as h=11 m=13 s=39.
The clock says h=6 m=12 s=55
